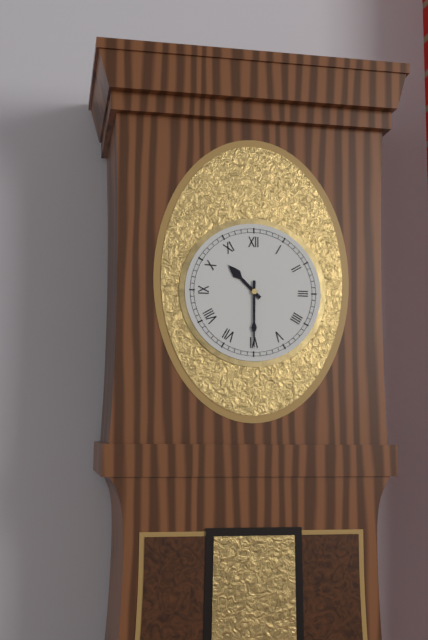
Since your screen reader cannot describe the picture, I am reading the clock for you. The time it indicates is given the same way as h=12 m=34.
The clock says h=10 m=30
